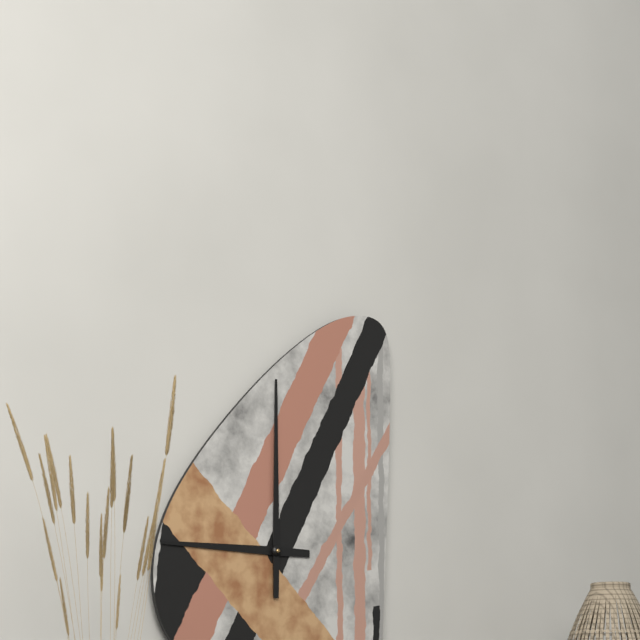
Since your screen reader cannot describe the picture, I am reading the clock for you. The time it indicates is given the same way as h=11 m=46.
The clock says h=9 m=0
